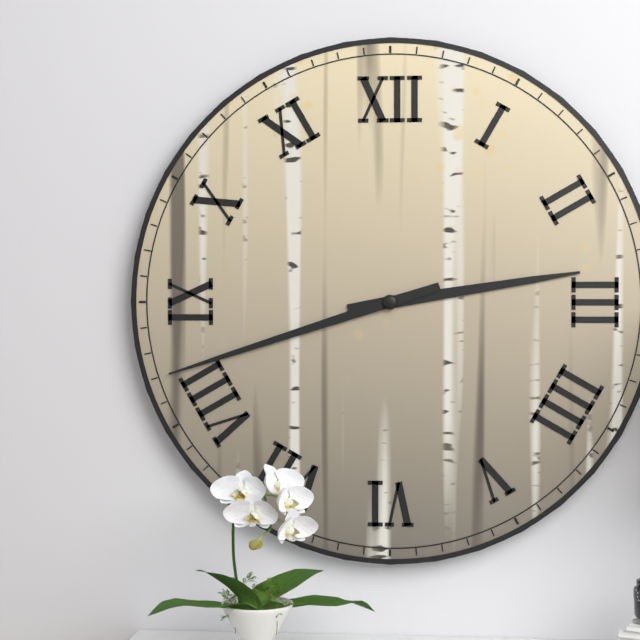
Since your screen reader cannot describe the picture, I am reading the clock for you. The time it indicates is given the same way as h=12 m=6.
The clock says h=2 m=42
